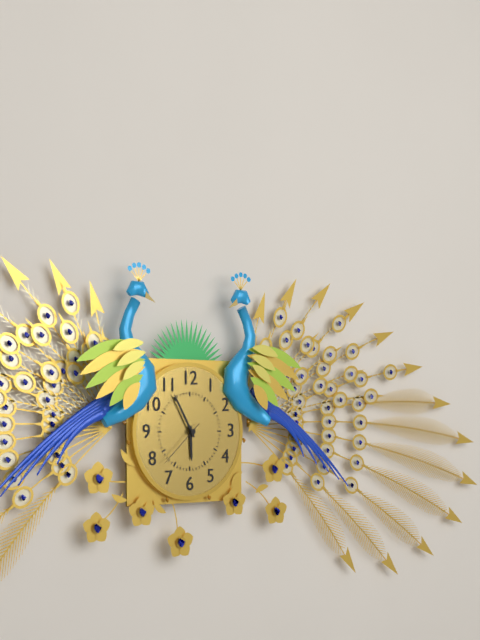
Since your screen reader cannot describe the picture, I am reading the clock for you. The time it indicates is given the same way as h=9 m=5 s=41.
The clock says h=5 m=55 s=38
